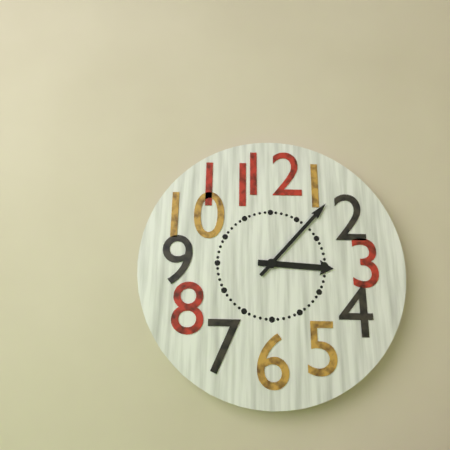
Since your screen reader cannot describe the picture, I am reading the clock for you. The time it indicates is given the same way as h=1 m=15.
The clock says h=3 m=7
